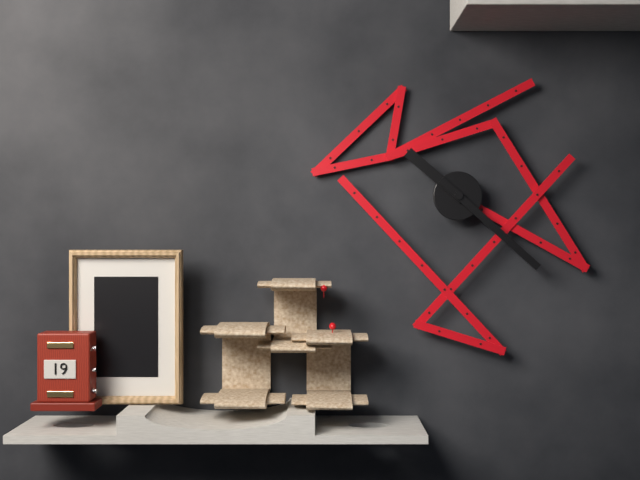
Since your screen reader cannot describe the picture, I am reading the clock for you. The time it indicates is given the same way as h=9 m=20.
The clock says h=10 m=22
